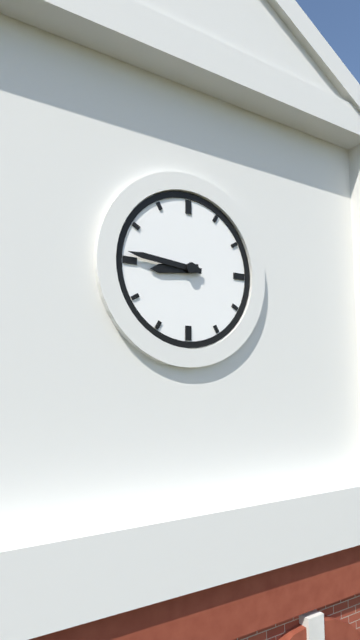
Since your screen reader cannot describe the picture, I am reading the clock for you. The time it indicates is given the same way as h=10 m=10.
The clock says h=8 m=46
